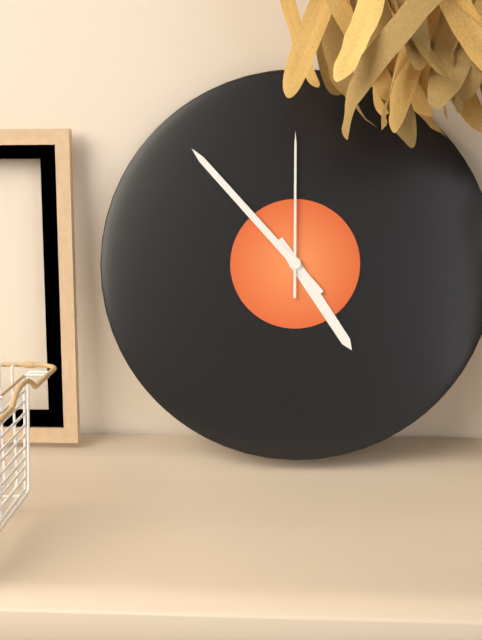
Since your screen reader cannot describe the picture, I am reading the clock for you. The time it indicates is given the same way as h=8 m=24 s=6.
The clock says h=4 m=53 s=0
